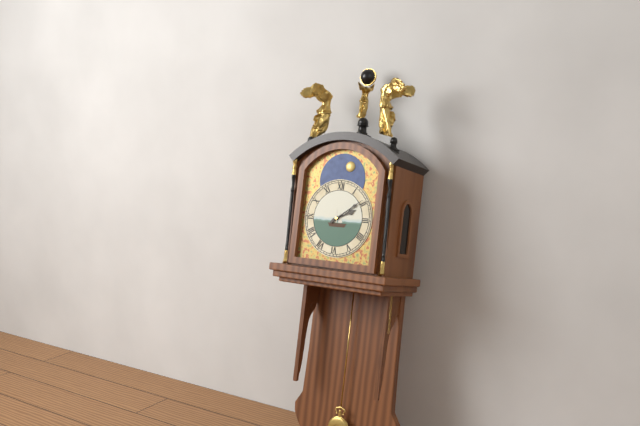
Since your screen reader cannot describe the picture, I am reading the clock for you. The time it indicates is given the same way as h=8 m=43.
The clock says h=2 m=9
